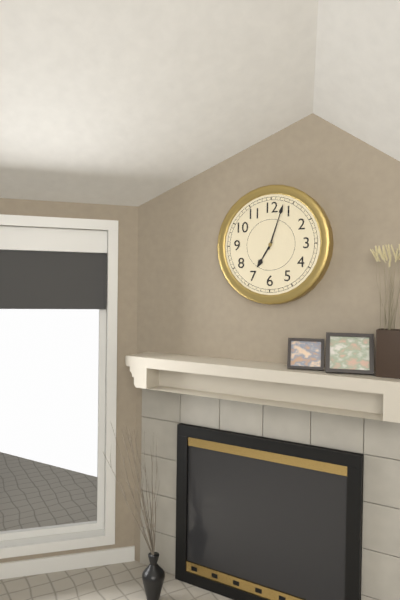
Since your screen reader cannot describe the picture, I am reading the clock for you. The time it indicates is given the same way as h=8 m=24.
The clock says h=7 m=3
